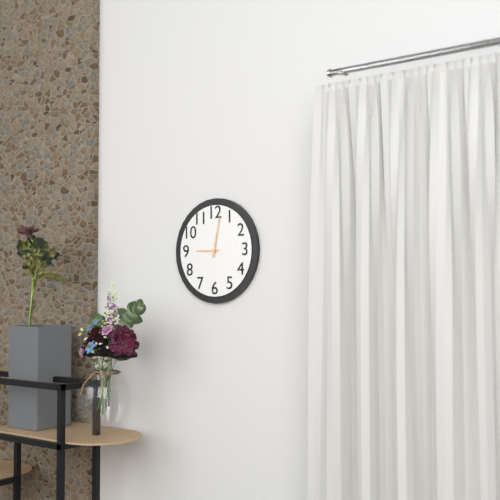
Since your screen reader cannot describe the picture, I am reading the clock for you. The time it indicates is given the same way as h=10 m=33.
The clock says h=9 m=2
